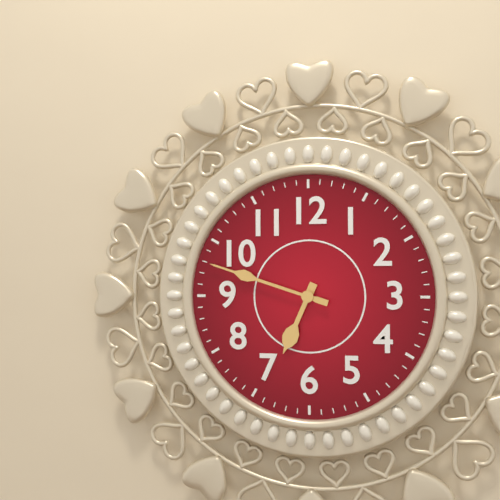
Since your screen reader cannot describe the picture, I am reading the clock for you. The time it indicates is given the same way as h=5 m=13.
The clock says h=6 m=48
